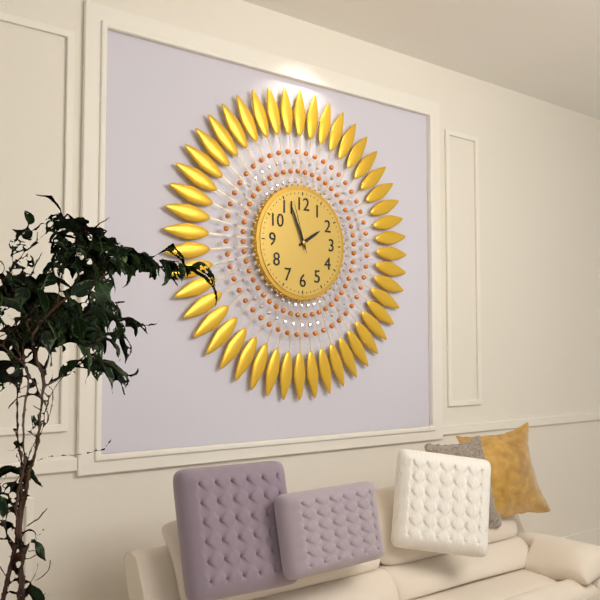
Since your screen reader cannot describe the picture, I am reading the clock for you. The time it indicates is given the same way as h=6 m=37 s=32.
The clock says h=1 m=56 s=57
